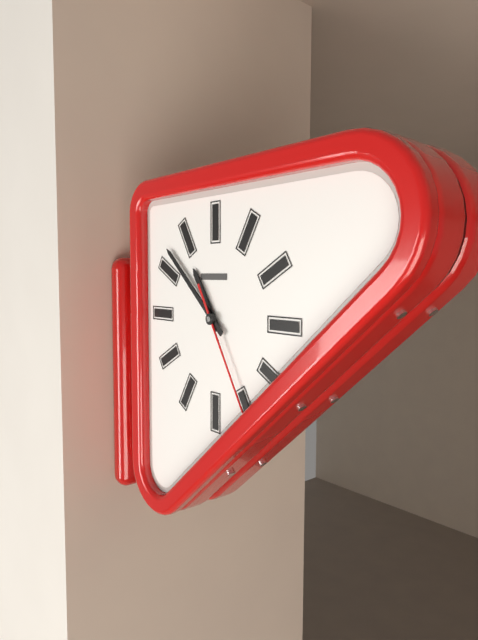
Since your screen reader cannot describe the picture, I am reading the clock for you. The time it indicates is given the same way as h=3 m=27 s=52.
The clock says h=10 m=52 s=25
